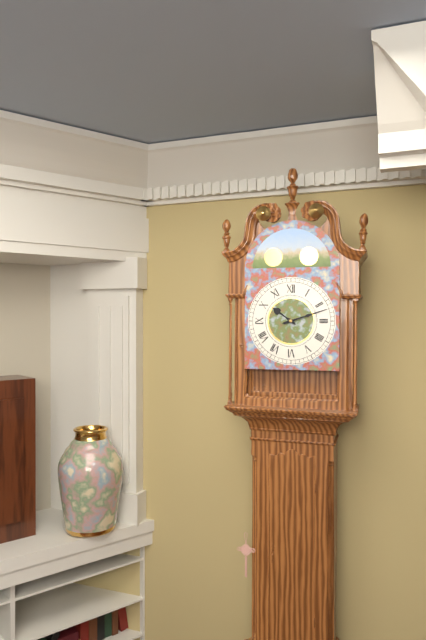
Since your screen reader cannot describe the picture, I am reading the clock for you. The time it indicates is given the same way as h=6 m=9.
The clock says h=10 m=12
